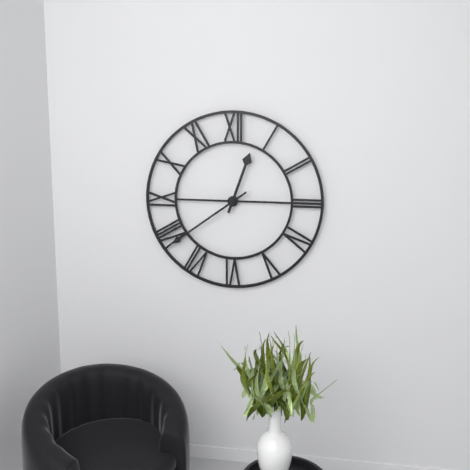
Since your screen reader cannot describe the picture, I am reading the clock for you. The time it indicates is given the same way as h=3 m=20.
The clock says h=12 m=39
